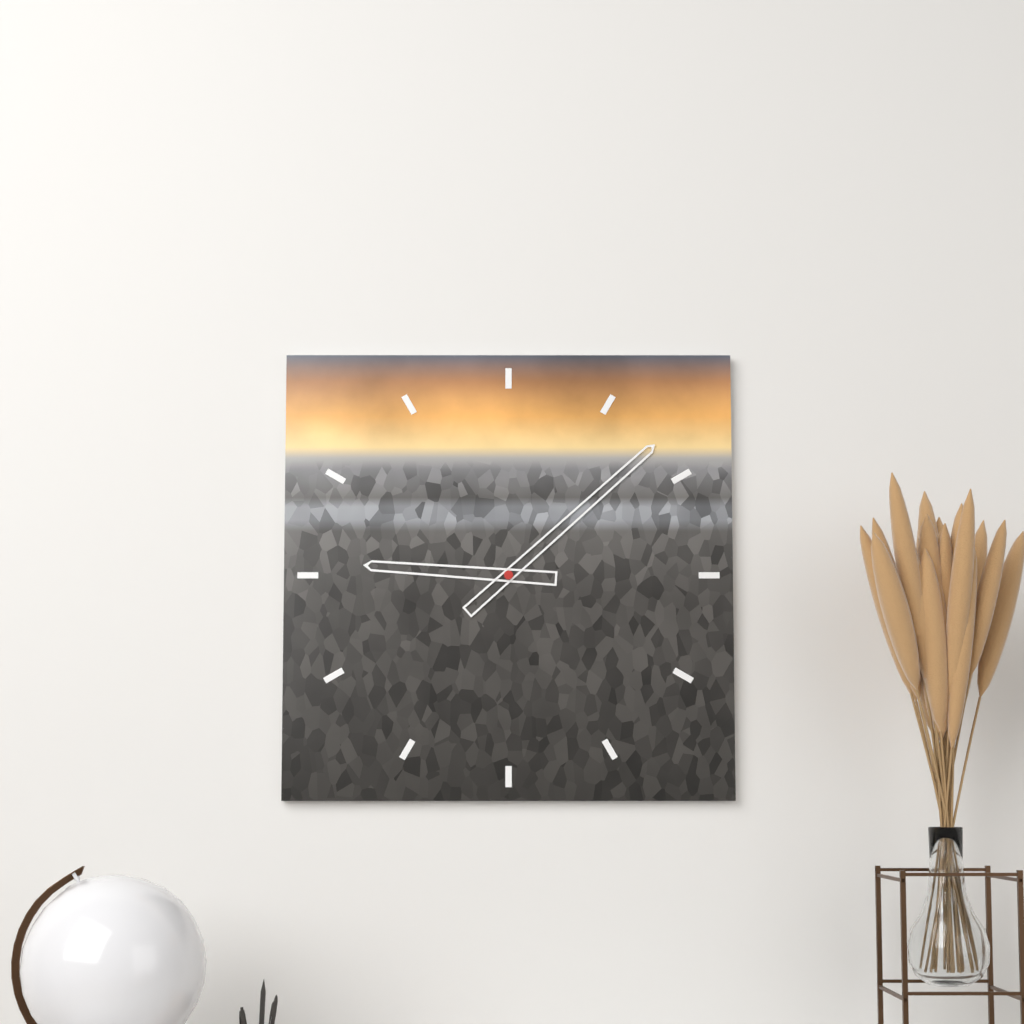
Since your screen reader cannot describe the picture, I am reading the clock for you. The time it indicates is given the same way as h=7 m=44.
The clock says h=9 m=8
